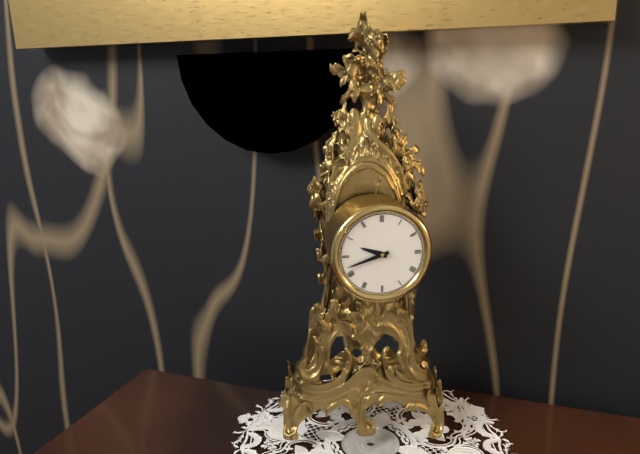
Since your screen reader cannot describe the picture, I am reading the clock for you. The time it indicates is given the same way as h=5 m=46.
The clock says h=9 m=42
